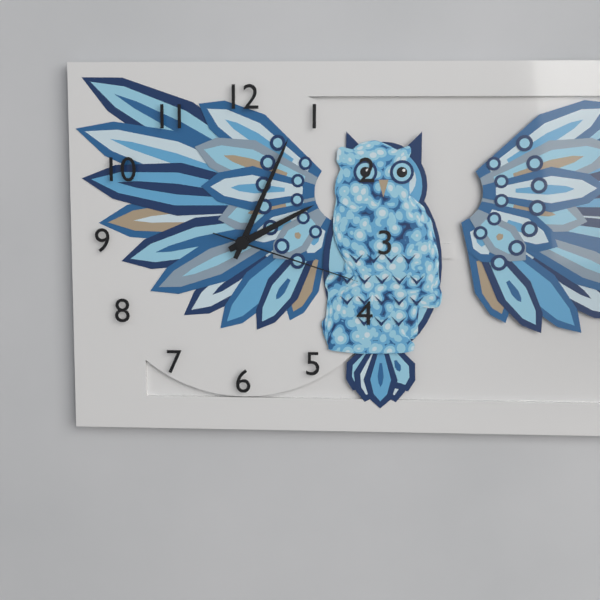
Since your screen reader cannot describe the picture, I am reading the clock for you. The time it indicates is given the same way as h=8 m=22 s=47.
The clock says h=2 m=4 s=18
